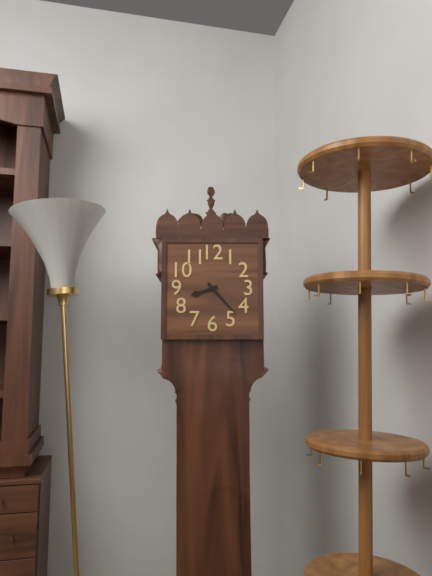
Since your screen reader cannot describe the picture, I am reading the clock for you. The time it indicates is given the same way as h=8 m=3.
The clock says h=8 m=23
